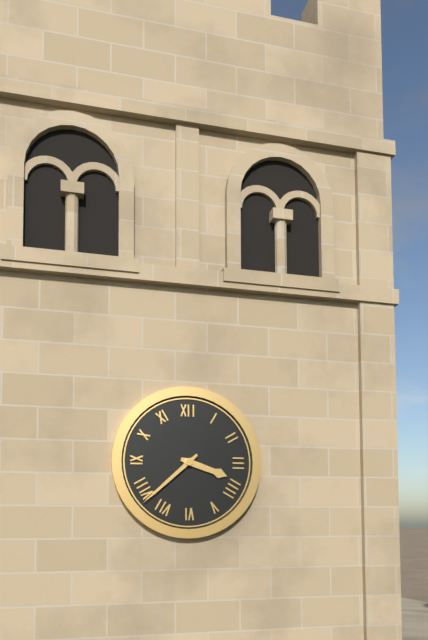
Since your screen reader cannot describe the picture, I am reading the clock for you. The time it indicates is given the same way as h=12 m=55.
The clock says h=3 m=38
